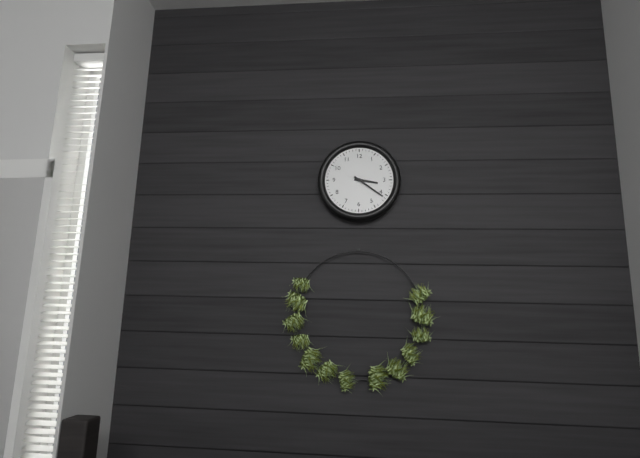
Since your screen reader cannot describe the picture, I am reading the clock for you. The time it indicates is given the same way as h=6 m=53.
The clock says h=3 m=21
